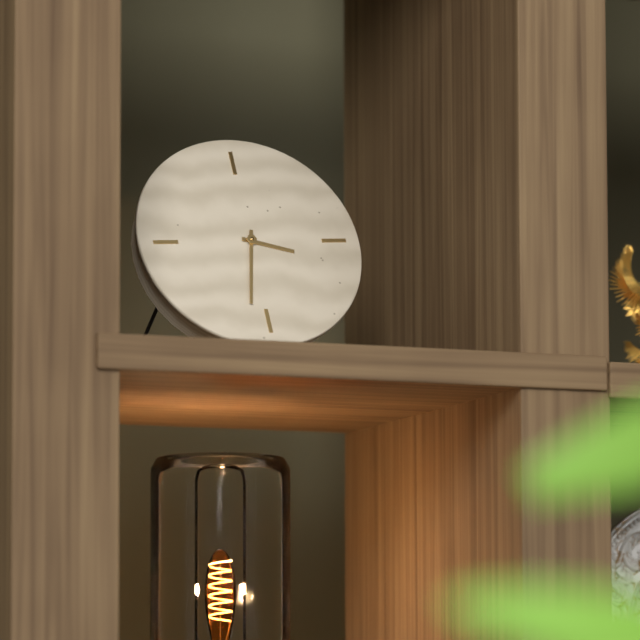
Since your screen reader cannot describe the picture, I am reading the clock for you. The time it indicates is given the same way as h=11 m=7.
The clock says h=3 m=32
